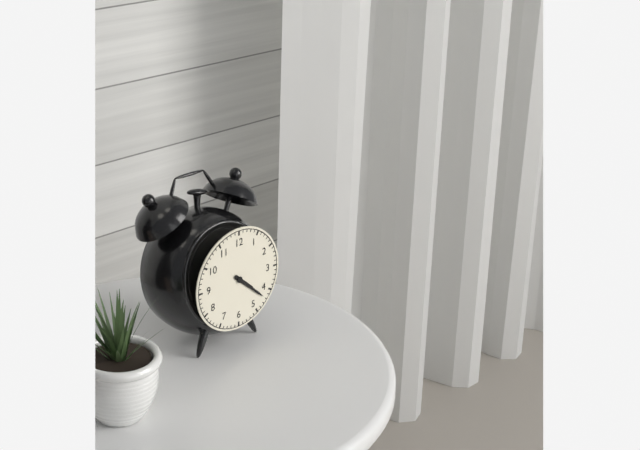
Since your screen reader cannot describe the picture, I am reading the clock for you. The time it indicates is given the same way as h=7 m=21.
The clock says h=4 m=22
